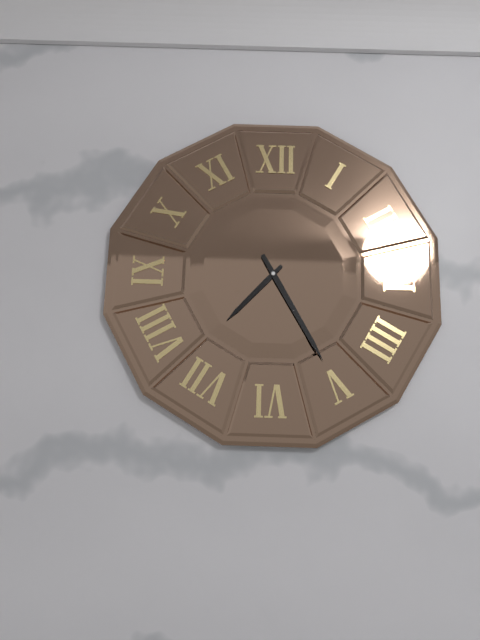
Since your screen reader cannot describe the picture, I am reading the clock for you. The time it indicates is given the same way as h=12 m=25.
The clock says h=7 m=25
